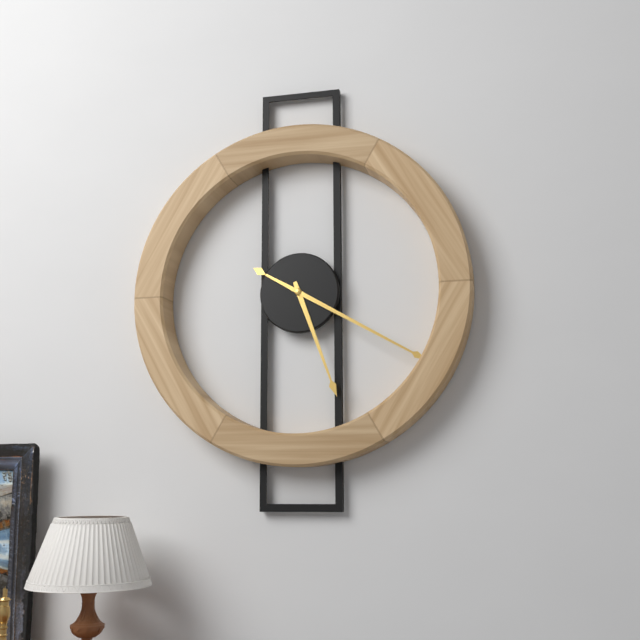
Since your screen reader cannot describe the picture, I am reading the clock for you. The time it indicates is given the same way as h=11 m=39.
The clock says h=5 m=20
